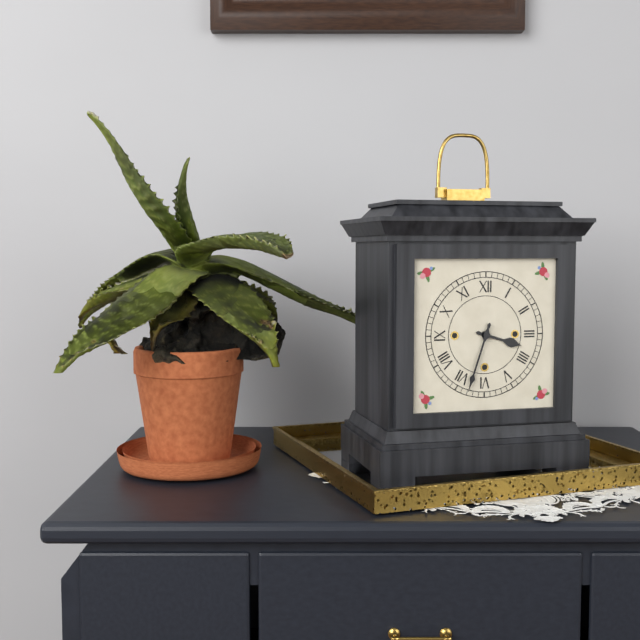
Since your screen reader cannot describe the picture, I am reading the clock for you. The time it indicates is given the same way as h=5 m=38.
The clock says h=3 m=33
